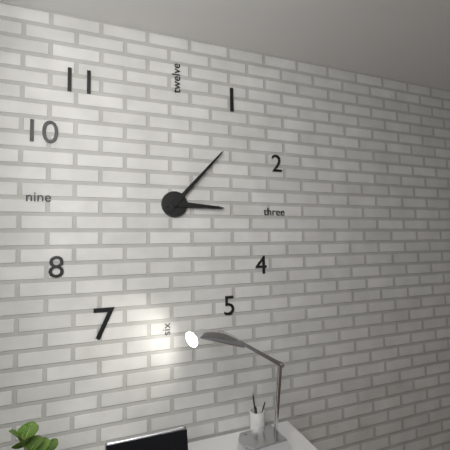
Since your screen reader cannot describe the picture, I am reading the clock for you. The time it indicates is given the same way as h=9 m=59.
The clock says h=3 m=7
